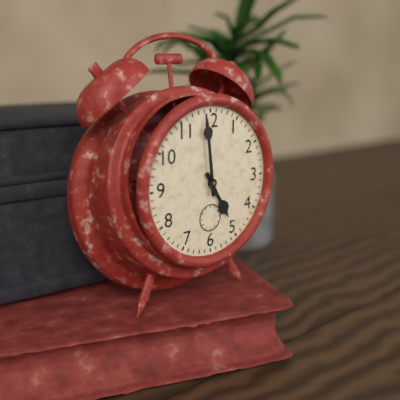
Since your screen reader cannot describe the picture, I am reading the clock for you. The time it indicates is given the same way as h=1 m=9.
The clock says h=4 m=59
